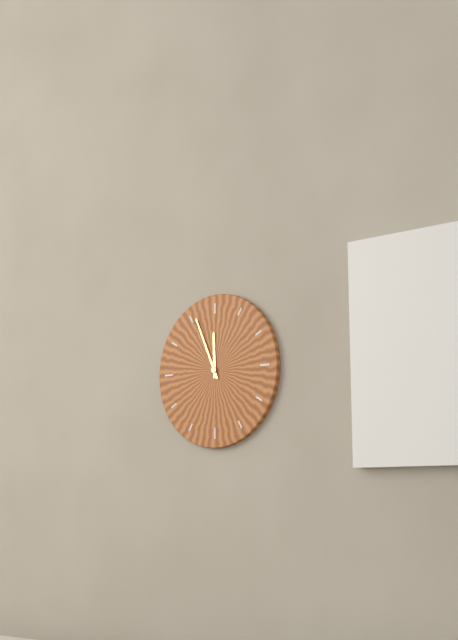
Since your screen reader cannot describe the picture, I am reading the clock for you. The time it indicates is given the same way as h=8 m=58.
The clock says h=11 m=56
